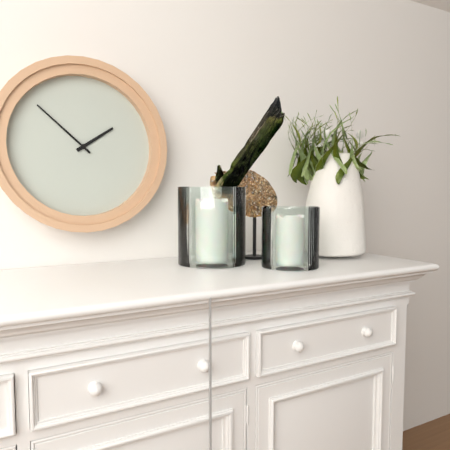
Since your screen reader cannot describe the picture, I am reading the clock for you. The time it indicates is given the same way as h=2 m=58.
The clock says h=1 m=52
